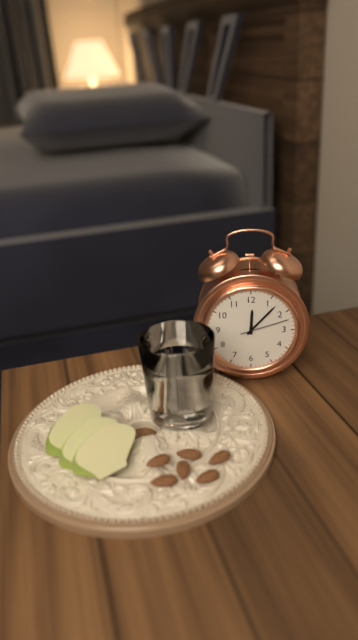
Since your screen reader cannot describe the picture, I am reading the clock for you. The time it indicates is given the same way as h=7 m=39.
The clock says h=12 m=7
